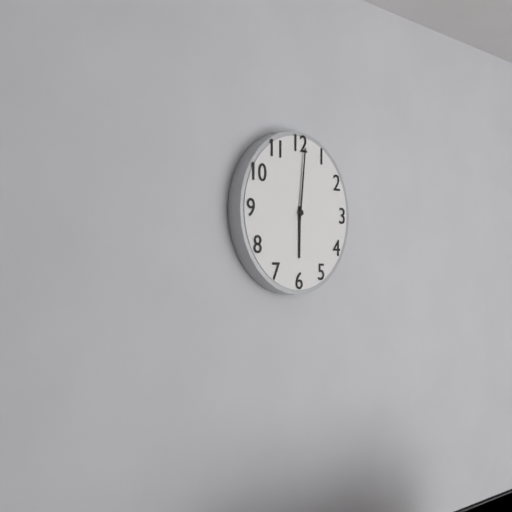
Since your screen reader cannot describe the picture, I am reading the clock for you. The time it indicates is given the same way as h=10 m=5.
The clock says h=6 m=1
